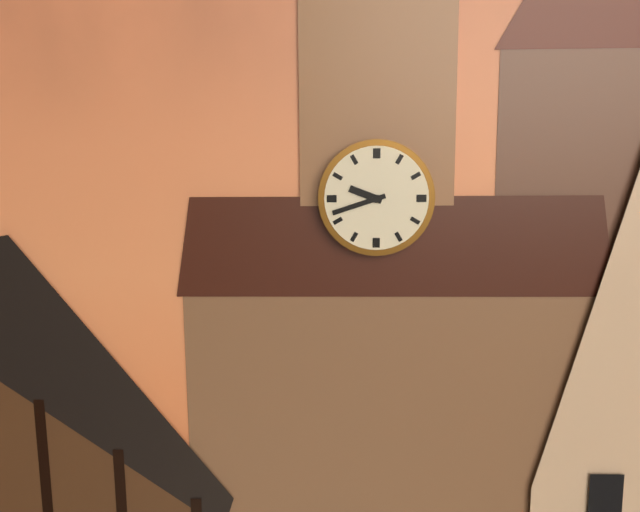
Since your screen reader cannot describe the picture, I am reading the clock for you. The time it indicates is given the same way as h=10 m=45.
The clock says h=9 m=42
